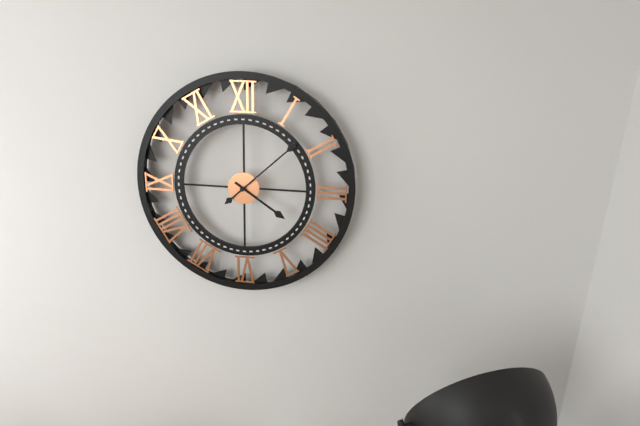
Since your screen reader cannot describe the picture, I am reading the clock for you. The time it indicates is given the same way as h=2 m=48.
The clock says h=4 m=8
